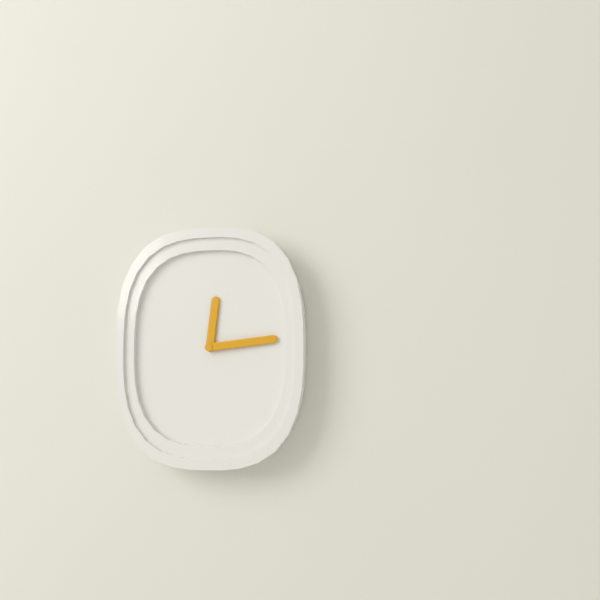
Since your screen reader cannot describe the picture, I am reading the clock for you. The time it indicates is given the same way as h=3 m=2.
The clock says h=12 m=14
